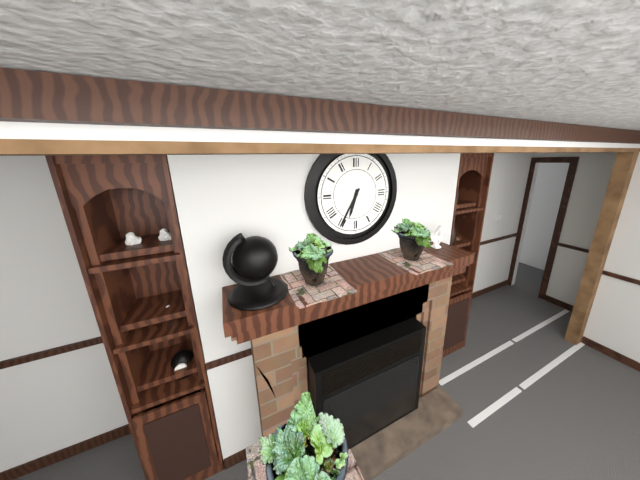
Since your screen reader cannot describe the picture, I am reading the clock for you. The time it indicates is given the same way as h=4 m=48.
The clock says h=6 m=35
